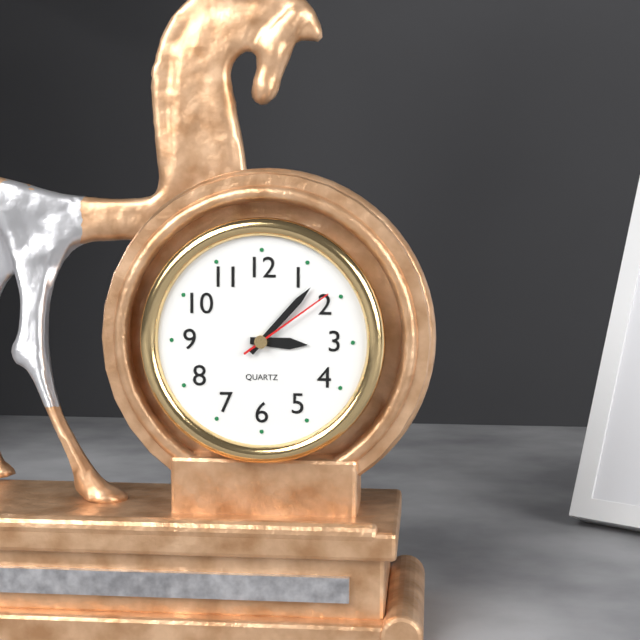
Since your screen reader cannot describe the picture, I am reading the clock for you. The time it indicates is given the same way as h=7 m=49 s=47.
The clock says h=3 m=7 s=9
